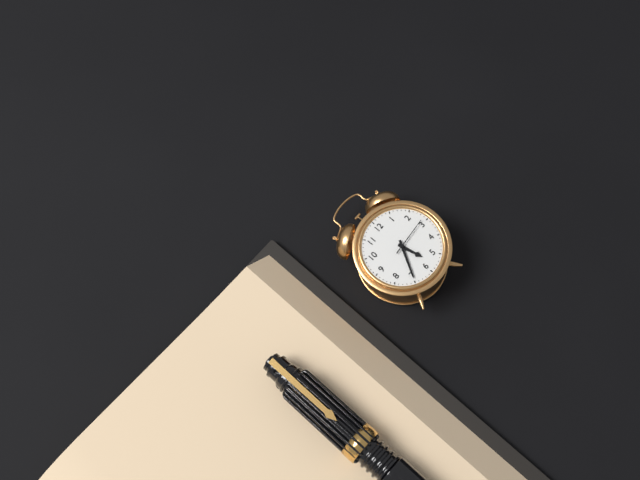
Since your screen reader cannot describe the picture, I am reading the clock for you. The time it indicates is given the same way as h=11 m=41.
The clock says h=5 m=35
